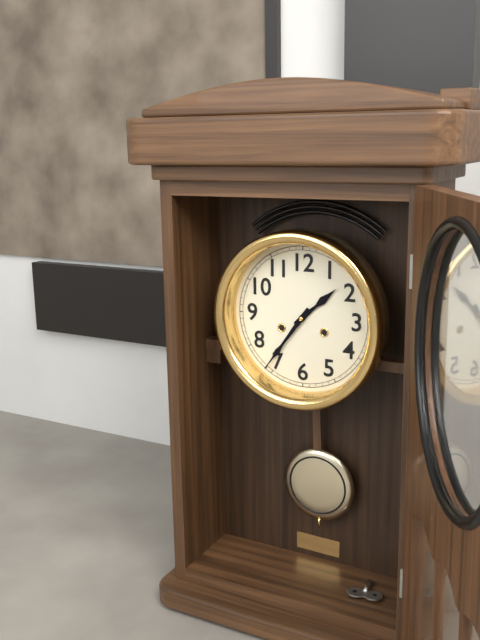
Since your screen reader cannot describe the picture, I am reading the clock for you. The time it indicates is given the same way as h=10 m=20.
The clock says h=1 m=36
